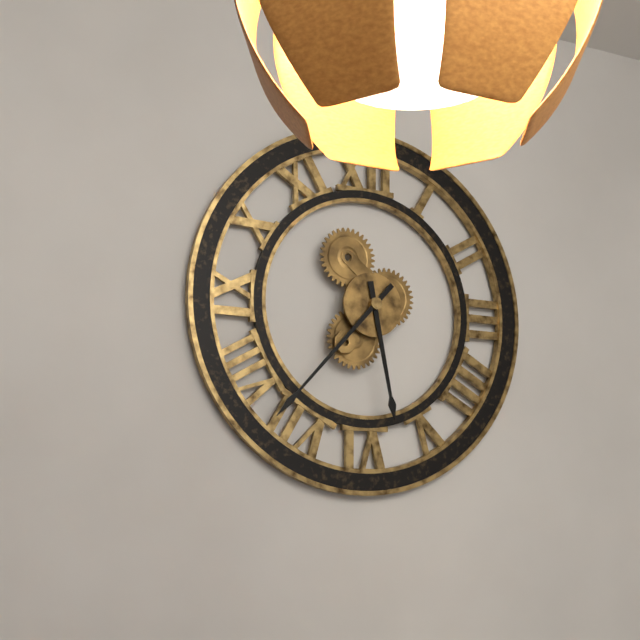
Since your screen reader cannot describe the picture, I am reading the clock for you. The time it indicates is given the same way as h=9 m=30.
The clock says h=5 m=37
